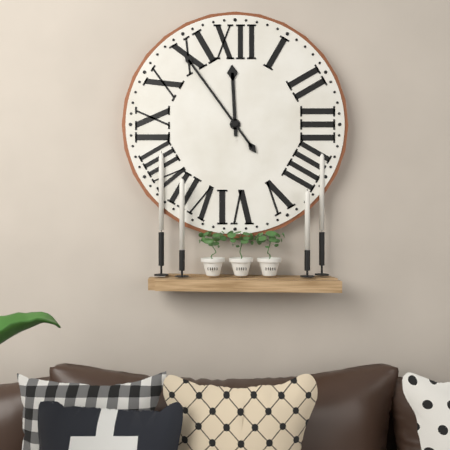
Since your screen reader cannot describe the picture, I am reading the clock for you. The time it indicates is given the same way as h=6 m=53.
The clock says h=11 m=54
